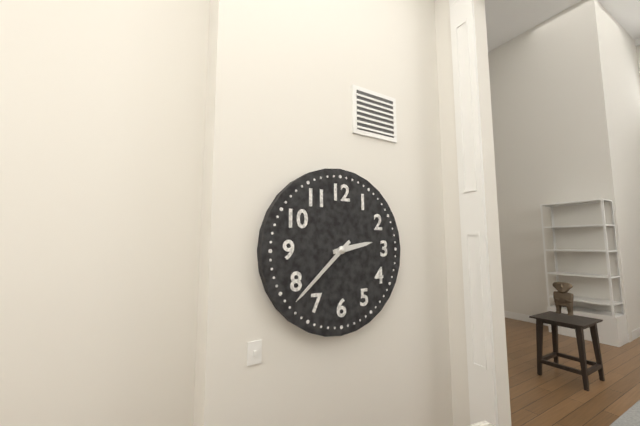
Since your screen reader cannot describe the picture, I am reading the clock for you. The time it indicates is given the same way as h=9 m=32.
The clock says h=2 m=38
